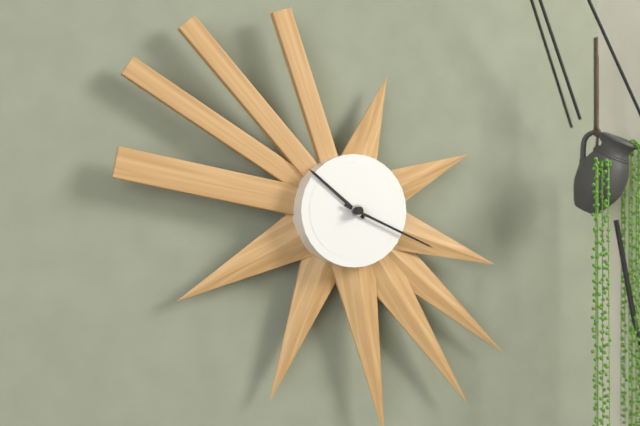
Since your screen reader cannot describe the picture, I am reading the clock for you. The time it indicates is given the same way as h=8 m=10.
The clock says h=10 m=19
